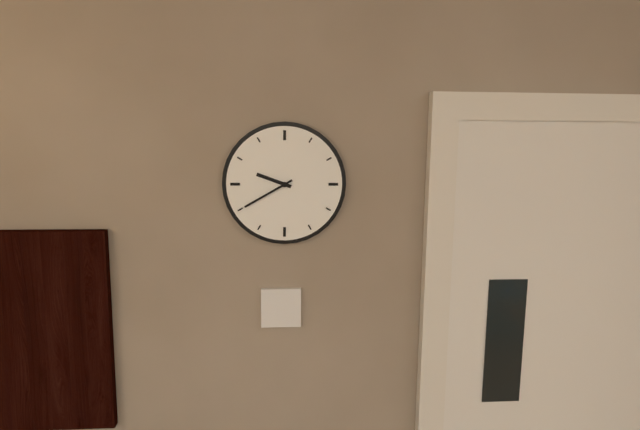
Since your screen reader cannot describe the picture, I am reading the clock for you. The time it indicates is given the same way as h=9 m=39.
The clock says h=9 m=40
